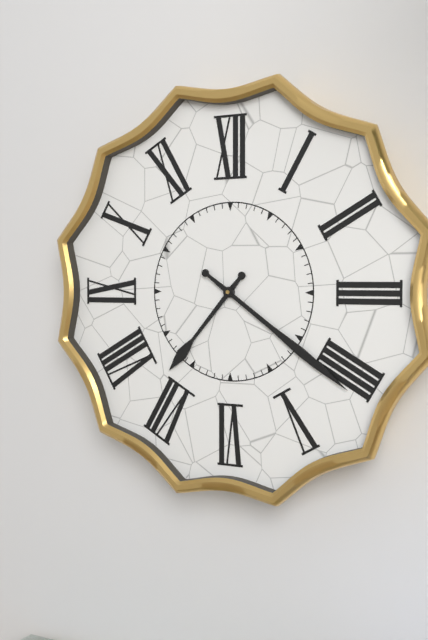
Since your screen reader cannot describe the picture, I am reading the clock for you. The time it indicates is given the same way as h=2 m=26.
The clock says h=7 m=21
